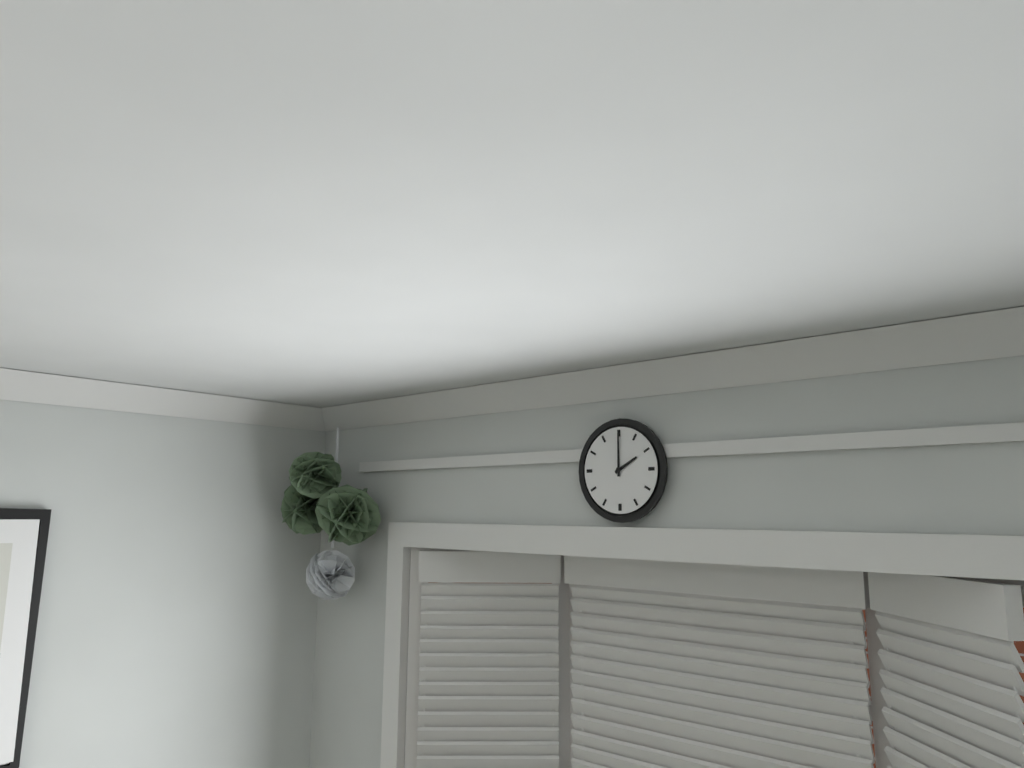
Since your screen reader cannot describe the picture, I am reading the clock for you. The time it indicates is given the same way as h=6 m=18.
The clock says h=2 m=0
